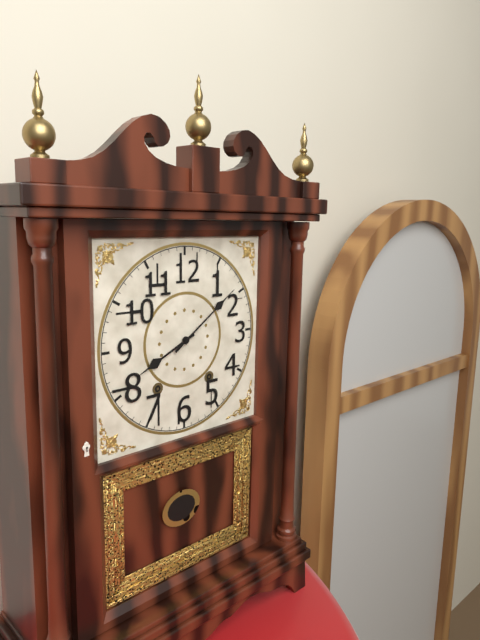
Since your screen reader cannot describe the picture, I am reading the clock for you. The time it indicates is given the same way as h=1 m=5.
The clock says h=8 m=9
